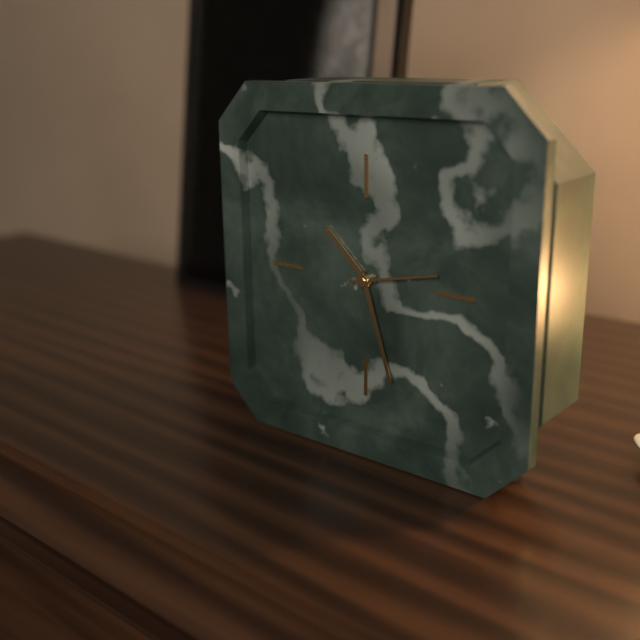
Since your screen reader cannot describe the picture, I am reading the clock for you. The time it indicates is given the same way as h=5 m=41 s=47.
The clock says h=10 m=27 s=13
